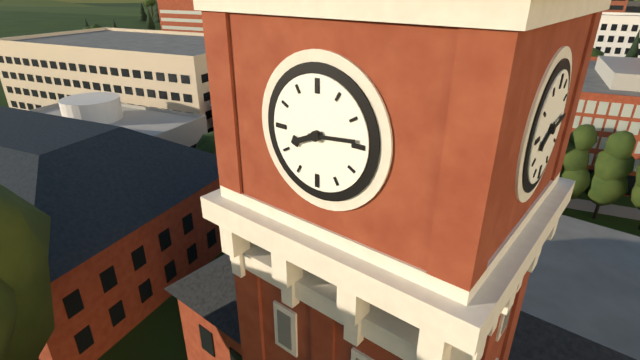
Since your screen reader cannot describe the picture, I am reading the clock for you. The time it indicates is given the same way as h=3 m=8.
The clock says h=8 m=14
